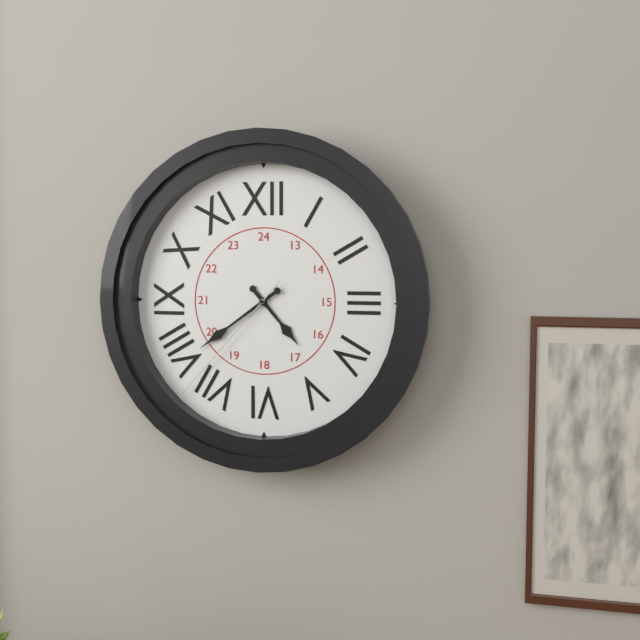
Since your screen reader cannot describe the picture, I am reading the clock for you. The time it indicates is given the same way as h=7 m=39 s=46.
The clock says h=4 m=39 s=37
